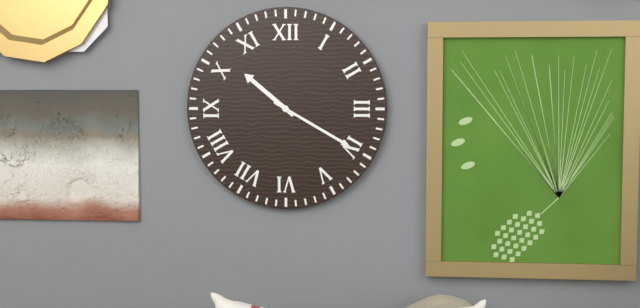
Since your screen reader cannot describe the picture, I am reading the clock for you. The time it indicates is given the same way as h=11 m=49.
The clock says h=10 m=20
